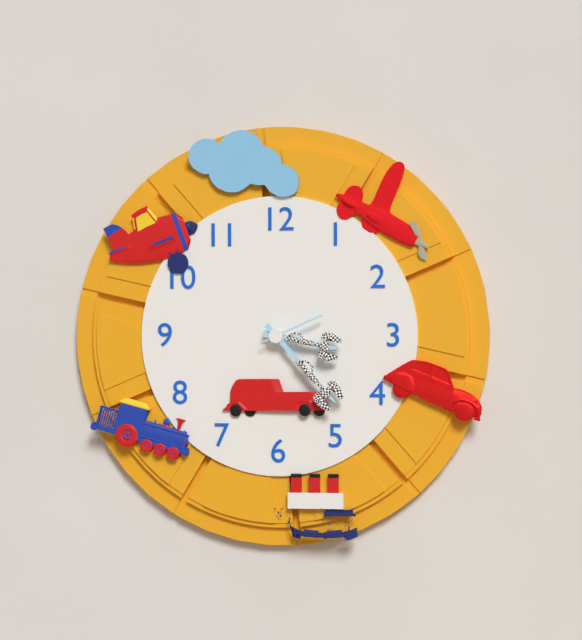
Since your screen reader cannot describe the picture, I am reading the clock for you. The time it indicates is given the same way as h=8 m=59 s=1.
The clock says h=3 m=23 s=11
